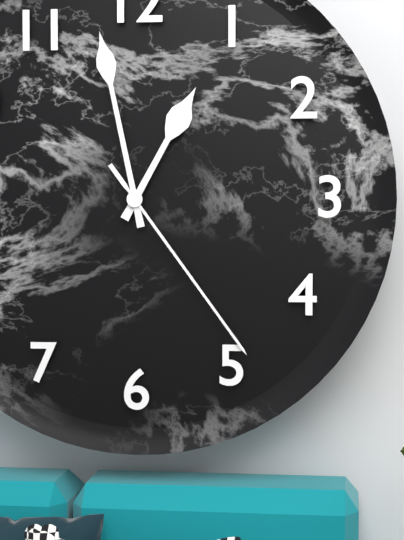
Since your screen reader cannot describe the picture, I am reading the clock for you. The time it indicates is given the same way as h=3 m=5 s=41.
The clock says h=12 m=58 s=24
